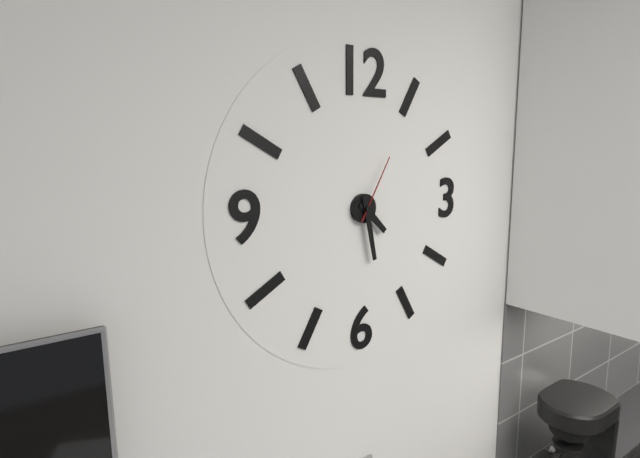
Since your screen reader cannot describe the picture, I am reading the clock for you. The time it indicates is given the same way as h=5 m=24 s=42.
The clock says h=4 m=28 s=5
